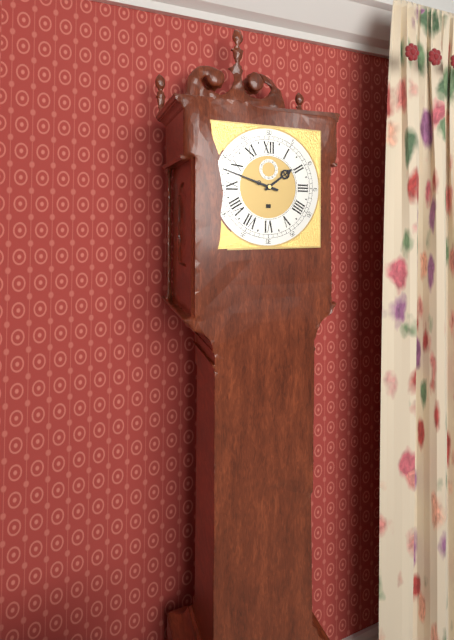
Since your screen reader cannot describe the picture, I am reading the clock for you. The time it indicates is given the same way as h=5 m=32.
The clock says h=1 m=48
